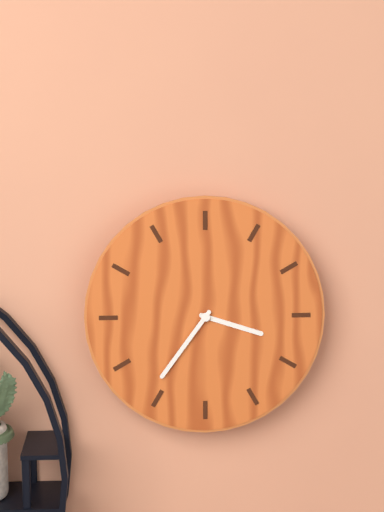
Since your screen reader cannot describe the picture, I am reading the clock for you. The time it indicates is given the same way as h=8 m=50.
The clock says h=3 m=36
